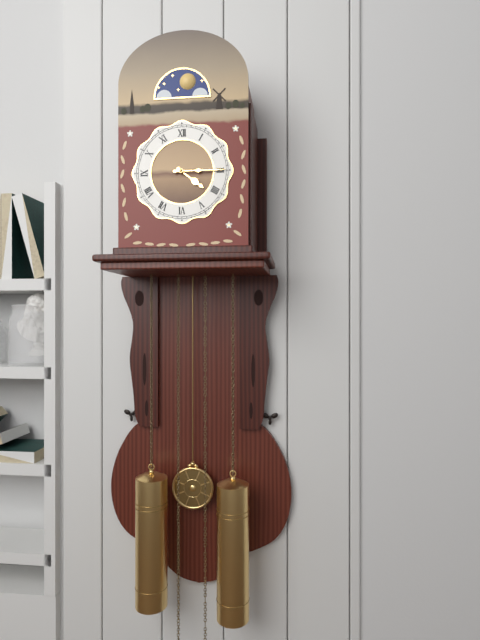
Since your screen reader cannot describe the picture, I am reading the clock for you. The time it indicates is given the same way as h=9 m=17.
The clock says h=4 m=15
